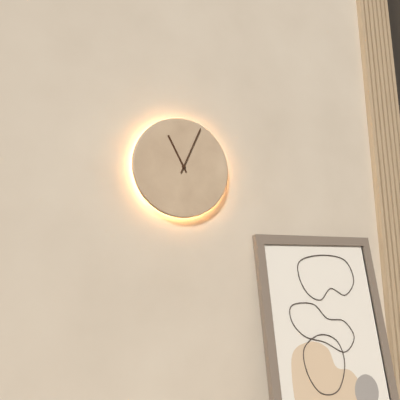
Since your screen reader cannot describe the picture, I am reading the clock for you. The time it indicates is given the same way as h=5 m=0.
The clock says h=11 m=4
